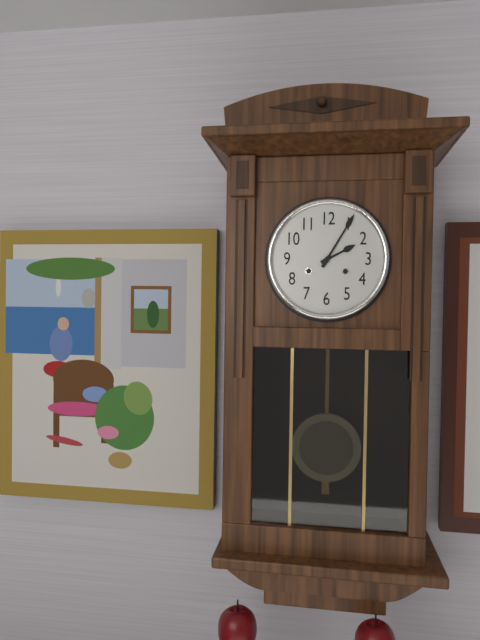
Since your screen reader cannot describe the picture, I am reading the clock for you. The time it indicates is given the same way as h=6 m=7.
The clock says h=2 m=5
